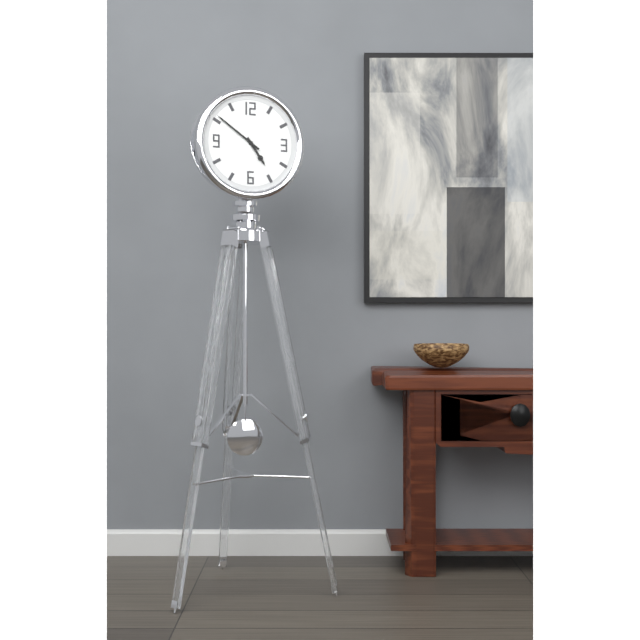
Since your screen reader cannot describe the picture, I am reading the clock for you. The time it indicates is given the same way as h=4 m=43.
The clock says h=4 m=51
